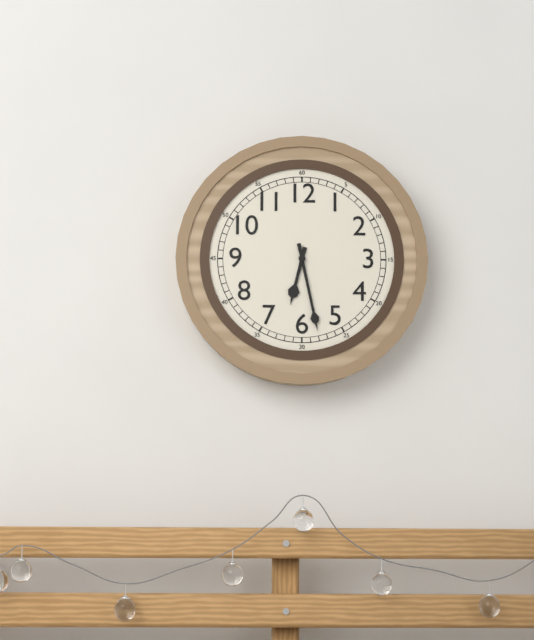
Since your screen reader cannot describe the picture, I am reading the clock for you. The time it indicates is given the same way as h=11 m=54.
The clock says h=6 m=28
